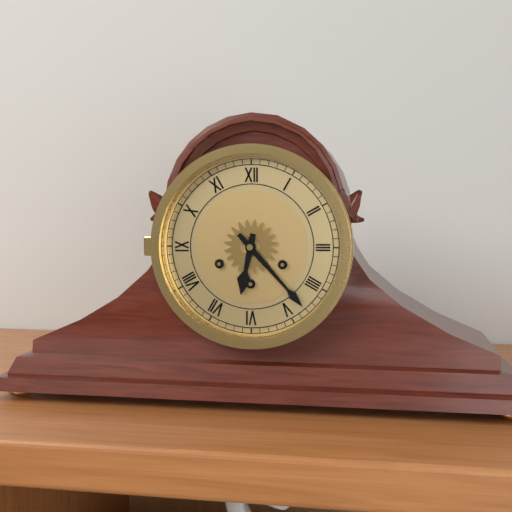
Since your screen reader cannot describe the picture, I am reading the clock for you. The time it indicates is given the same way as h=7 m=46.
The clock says h=6 m=23
